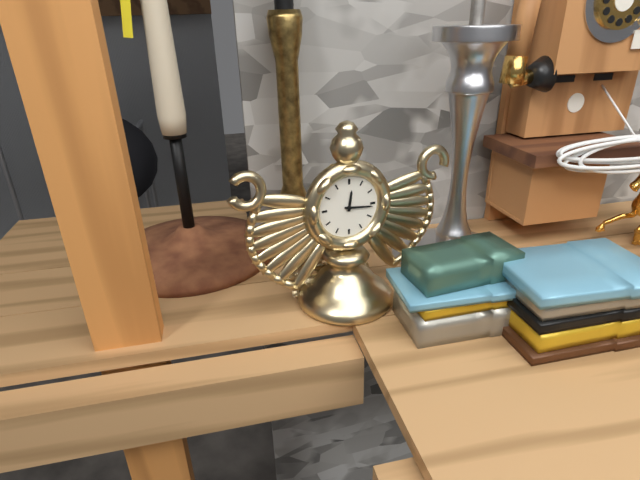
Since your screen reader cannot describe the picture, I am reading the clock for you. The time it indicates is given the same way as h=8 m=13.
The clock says h=12 m=16
